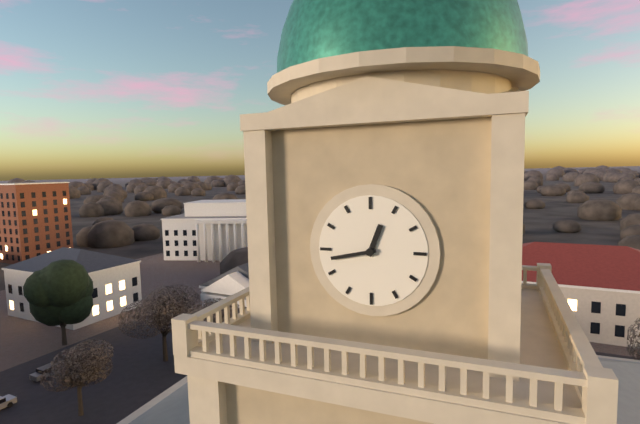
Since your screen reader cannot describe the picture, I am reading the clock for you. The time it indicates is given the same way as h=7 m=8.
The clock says h=12 m=43
